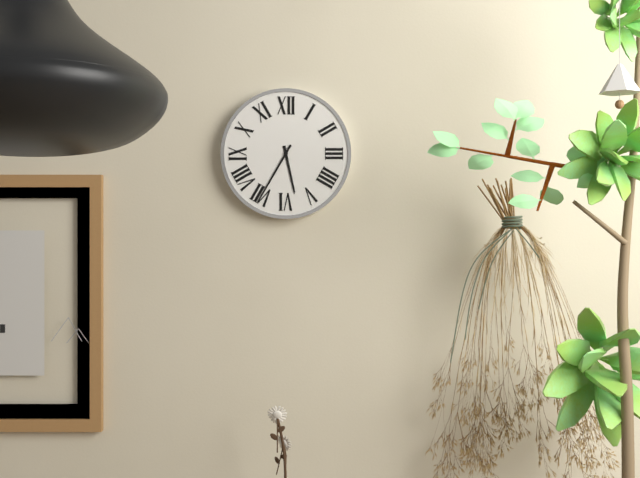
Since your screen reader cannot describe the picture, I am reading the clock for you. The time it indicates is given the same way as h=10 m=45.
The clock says h=5 m=35
